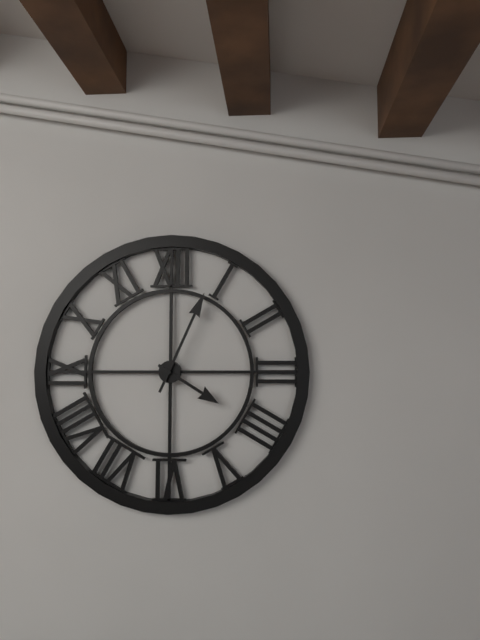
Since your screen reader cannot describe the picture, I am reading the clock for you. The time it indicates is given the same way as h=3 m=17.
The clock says h=4 m=4
